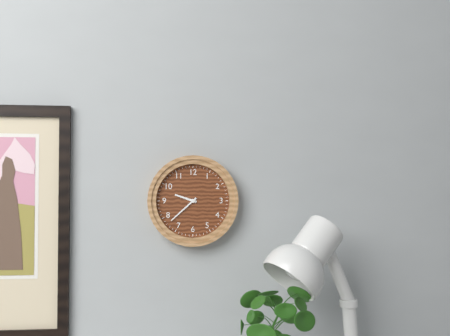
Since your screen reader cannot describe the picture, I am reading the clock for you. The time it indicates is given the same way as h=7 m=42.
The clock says h=9 m=38
